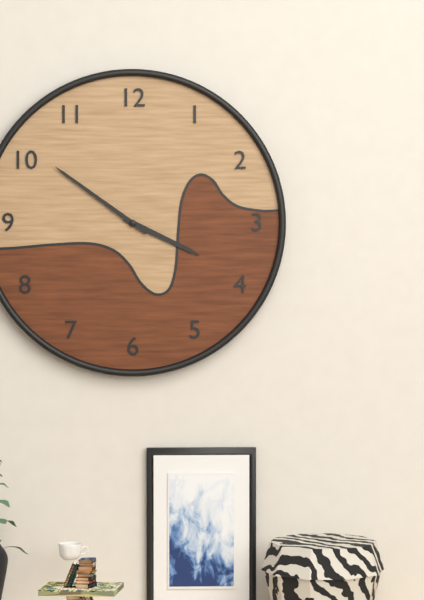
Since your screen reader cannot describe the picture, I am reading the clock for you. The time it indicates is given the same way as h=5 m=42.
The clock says h=3 m=51
